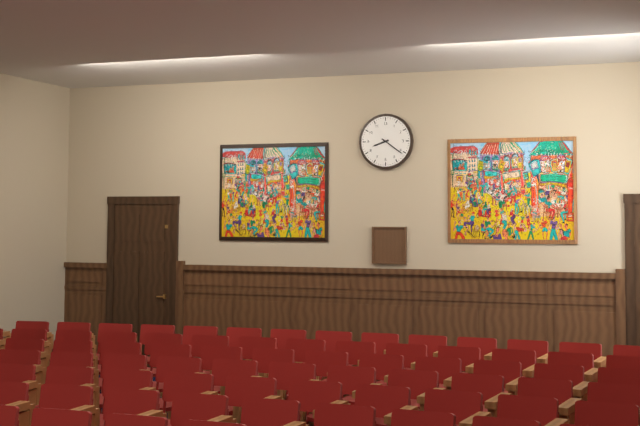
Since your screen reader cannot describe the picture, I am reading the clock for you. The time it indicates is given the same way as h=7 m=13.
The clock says h=8 m=21
